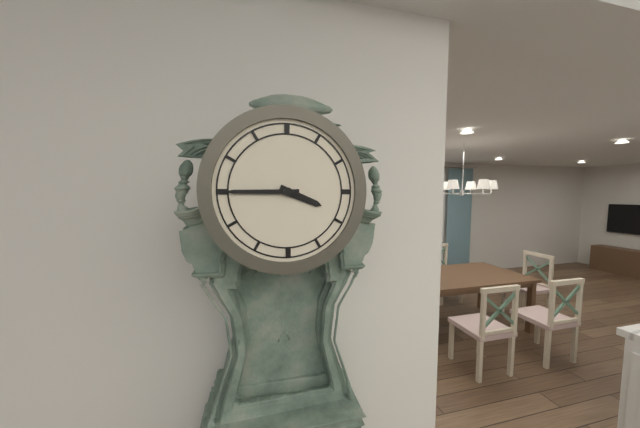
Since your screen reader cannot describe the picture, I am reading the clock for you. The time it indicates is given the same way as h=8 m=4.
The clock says h=3 m=45
